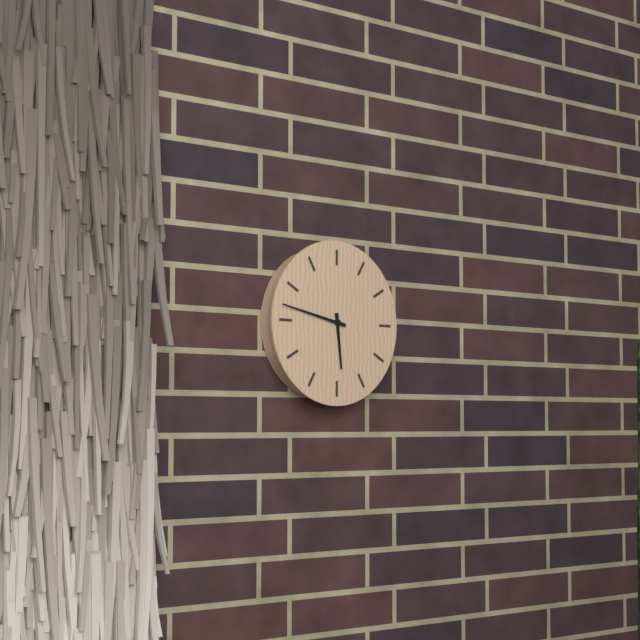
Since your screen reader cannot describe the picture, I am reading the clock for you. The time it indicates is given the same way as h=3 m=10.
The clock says h=5 m=47
